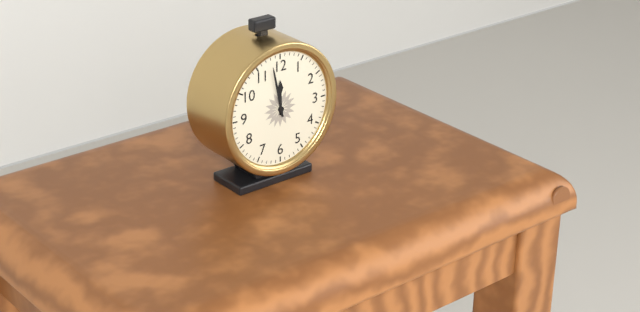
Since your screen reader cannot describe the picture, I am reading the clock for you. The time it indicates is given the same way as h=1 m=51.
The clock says h=11 m=58
